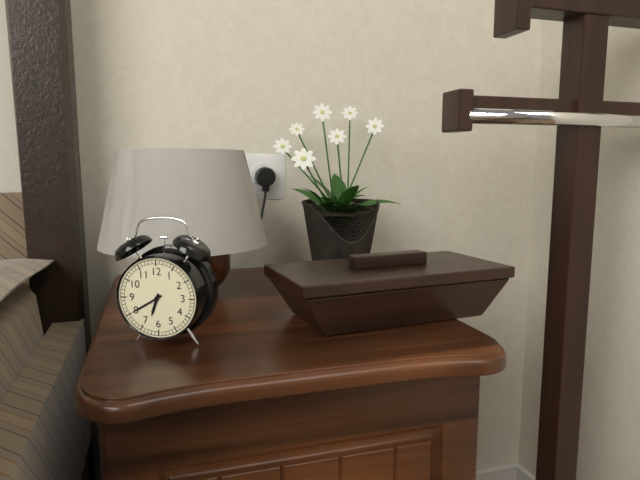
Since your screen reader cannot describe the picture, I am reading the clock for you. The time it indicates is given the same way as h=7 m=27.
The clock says h=6 m=40
